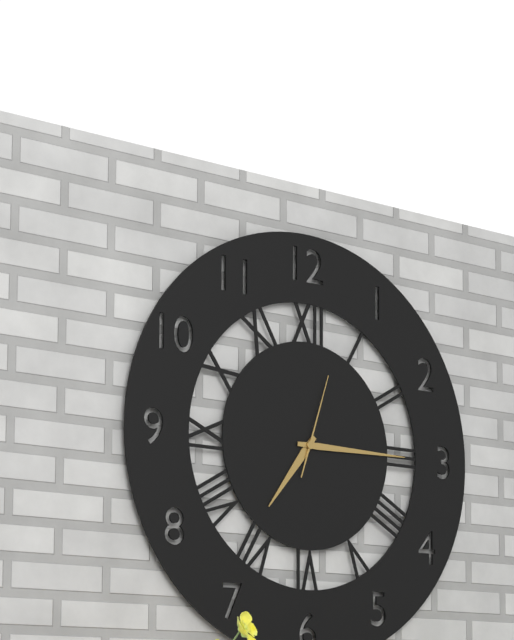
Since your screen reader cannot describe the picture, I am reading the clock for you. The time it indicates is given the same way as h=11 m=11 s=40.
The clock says h=7 m=15 s=3
